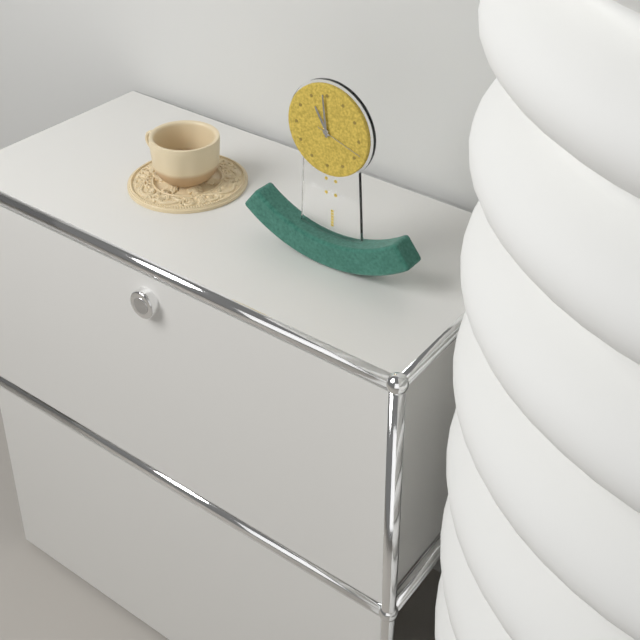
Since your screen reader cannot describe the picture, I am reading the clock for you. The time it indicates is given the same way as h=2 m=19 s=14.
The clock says h=10 m=59 s=18
